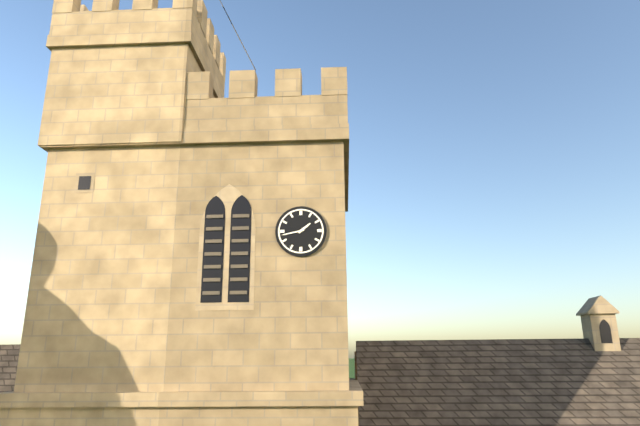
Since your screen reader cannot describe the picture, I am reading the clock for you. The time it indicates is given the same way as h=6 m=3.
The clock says h=1 m=43
